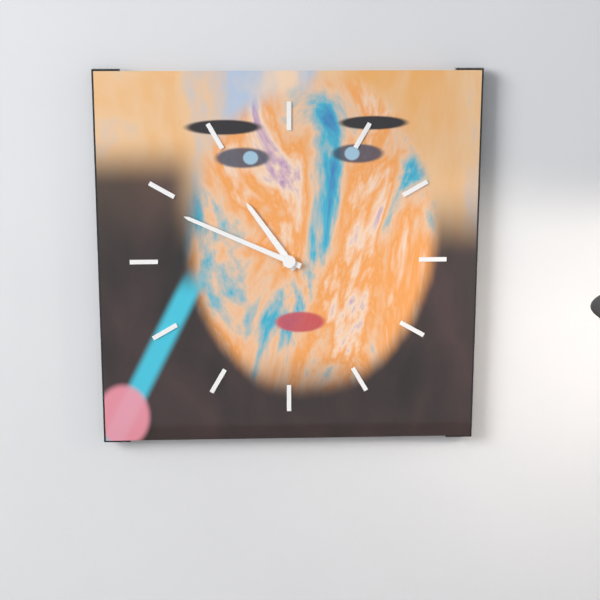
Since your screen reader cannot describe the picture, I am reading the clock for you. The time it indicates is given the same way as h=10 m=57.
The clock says h=10 m=49
